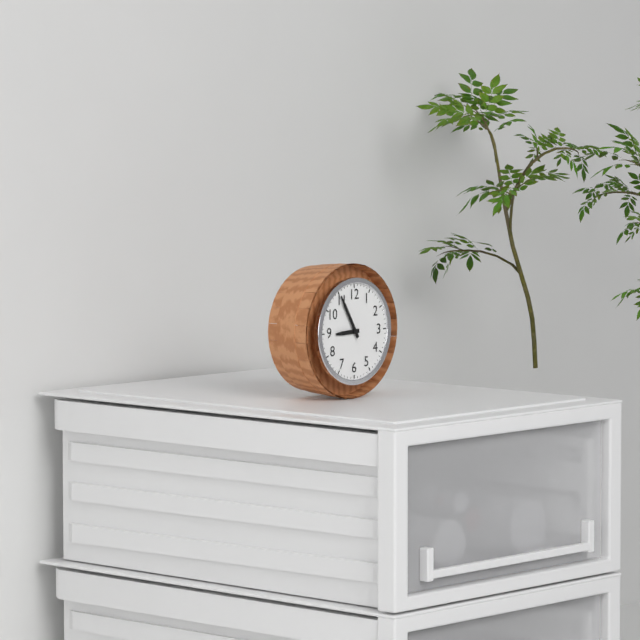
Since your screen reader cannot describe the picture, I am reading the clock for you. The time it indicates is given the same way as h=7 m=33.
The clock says h=8 m=55
